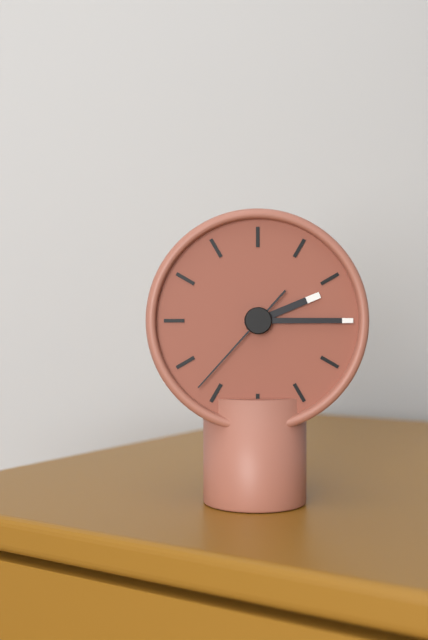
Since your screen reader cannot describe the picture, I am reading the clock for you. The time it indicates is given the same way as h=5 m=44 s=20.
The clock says h=2 m=15 s=37
